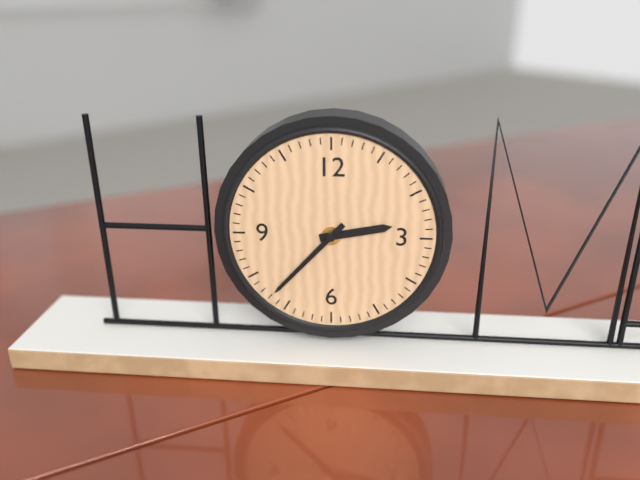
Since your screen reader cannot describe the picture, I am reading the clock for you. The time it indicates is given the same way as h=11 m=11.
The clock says h=2 m=37
